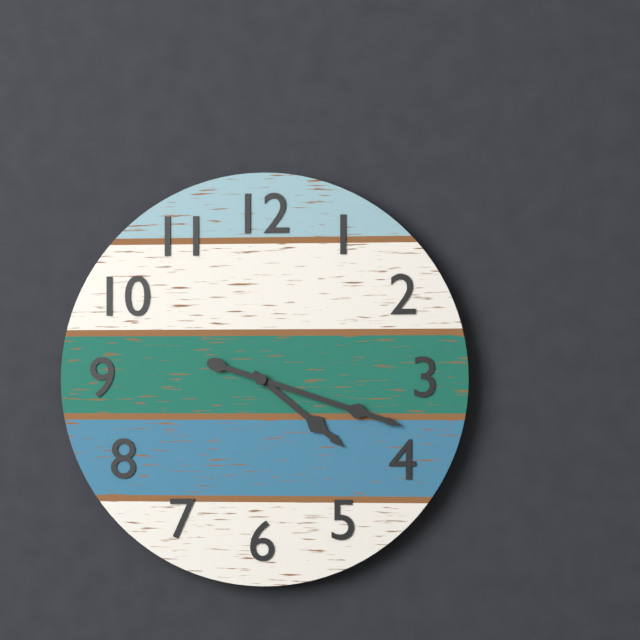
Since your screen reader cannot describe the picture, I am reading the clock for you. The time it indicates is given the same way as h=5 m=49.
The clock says h=4 m=18
